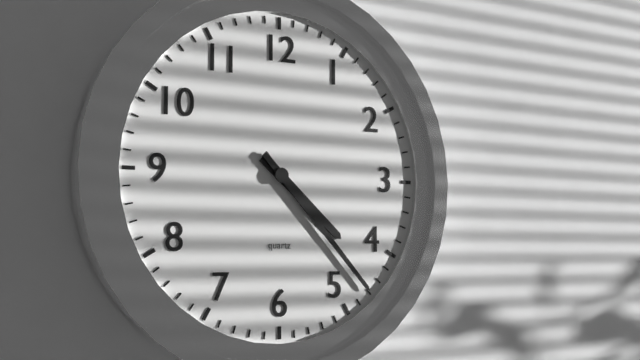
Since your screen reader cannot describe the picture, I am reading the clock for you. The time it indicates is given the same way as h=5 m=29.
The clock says h=4 m=23
